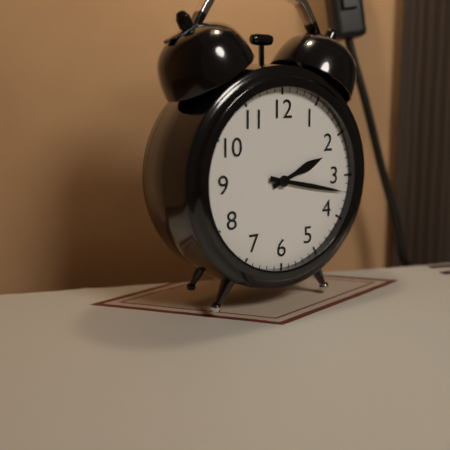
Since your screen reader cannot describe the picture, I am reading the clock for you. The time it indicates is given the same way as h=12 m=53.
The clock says h=2 m=17
